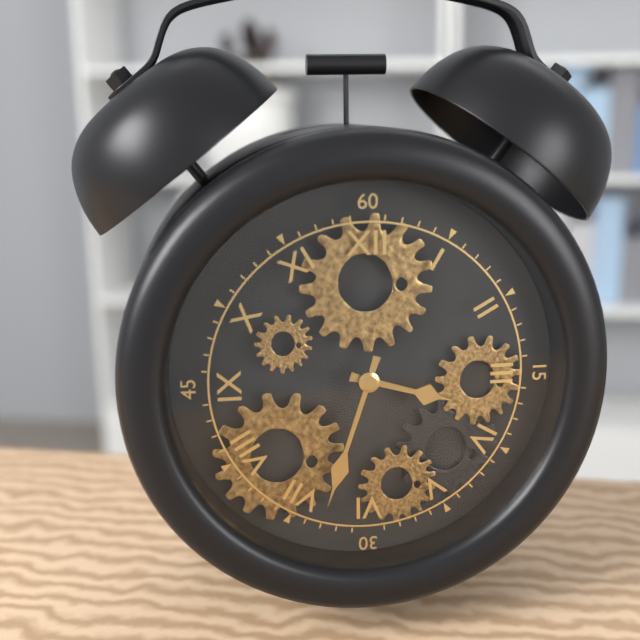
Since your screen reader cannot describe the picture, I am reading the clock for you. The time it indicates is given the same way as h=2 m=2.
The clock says h=3 m=33
